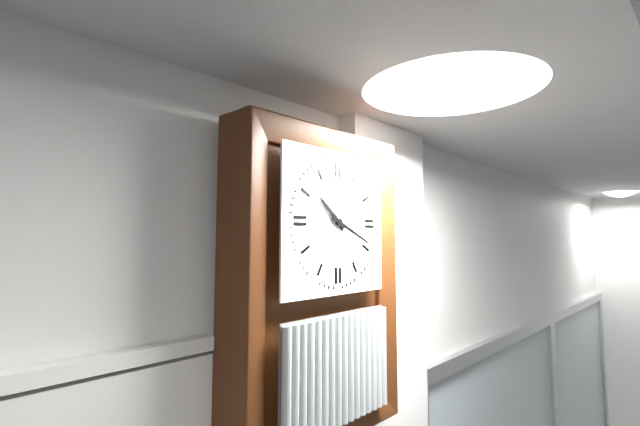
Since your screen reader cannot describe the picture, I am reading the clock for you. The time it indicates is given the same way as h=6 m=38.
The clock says h=10 m=19
